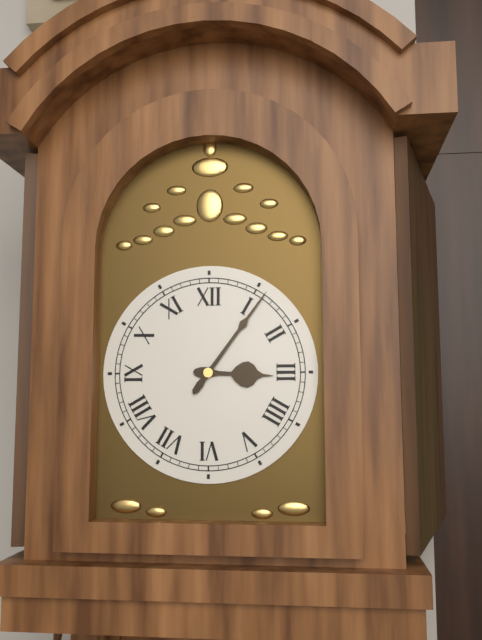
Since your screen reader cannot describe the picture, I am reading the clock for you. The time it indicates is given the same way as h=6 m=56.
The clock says h=3 m=6
